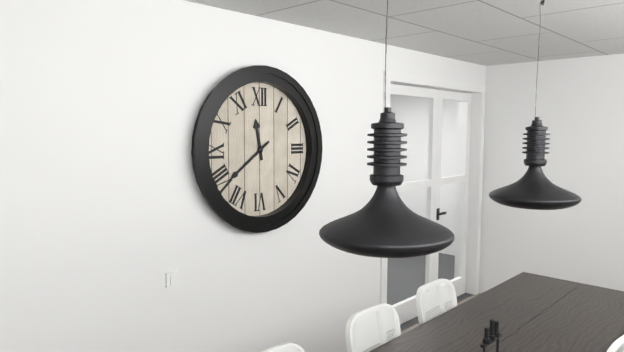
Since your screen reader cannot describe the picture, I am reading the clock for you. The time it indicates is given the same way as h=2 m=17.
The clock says h=11 m=39
